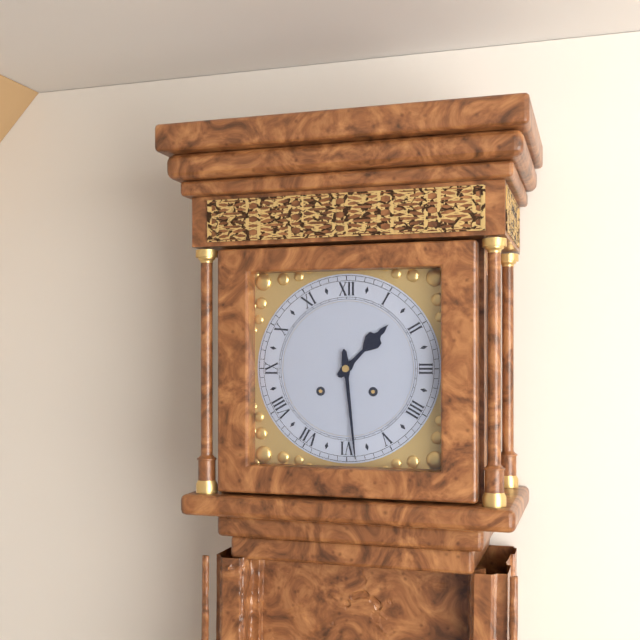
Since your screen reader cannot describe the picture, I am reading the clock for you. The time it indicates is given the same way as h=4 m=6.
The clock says h=1 m=29
